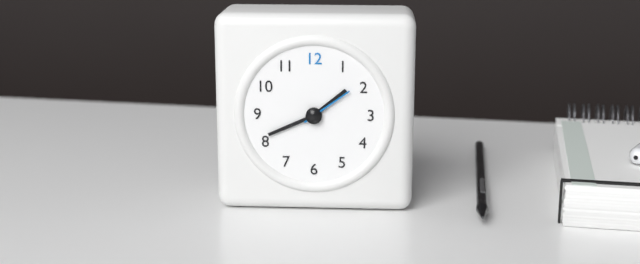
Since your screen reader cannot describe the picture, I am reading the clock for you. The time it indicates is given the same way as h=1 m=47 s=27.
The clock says h=1 m=41 s=9
